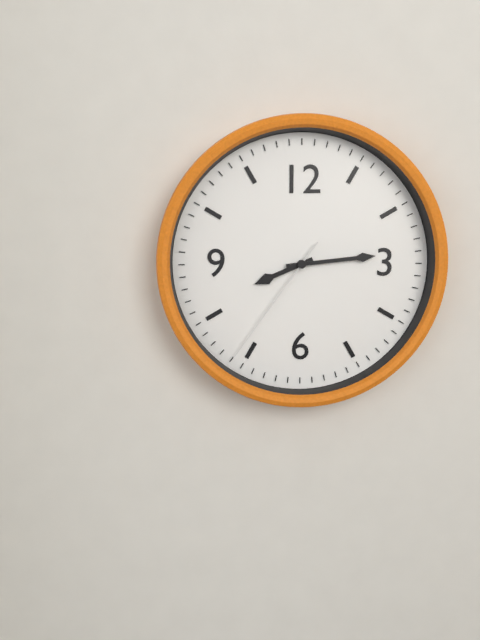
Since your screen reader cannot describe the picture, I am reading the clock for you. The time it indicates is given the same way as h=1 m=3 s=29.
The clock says h=8 m=14 s=36
